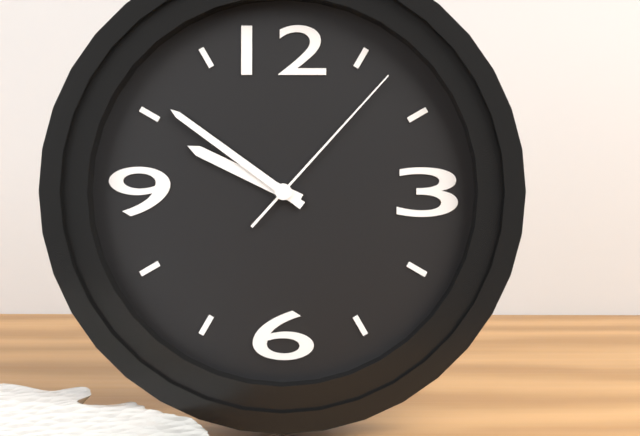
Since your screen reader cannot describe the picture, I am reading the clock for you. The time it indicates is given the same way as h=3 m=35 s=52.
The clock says h=9 m=51 s=7
